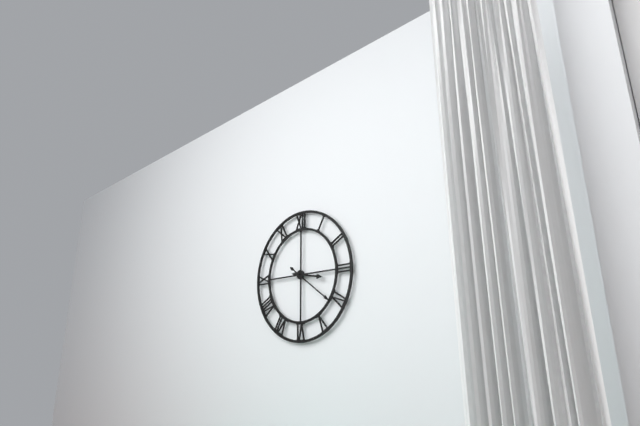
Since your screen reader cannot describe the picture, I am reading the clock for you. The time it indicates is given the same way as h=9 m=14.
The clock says h=3 m=21
